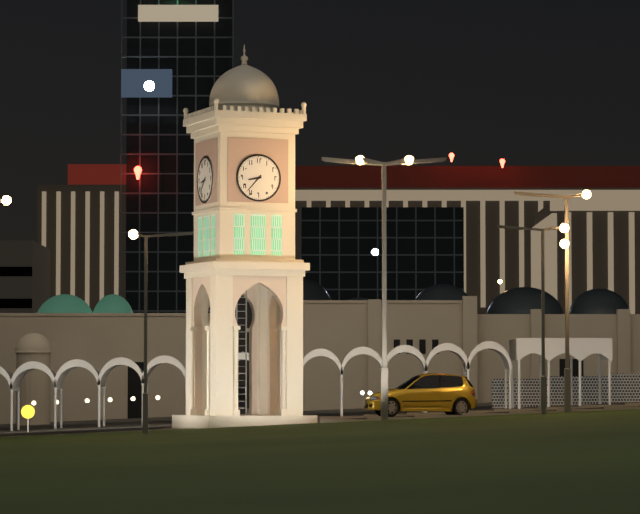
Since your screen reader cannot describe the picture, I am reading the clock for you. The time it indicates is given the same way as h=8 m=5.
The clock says h=8 m=37
